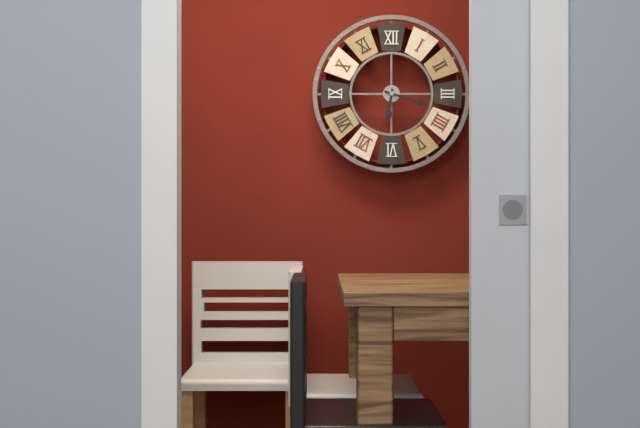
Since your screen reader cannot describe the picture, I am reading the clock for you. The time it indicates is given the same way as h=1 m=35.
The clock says h=6 m=18
